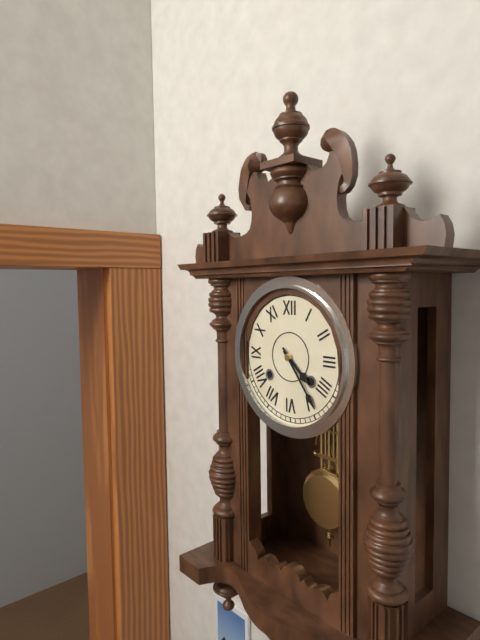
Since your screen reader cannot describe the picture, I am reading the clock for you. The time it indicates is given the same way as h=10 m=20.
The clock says h=4 m=24
